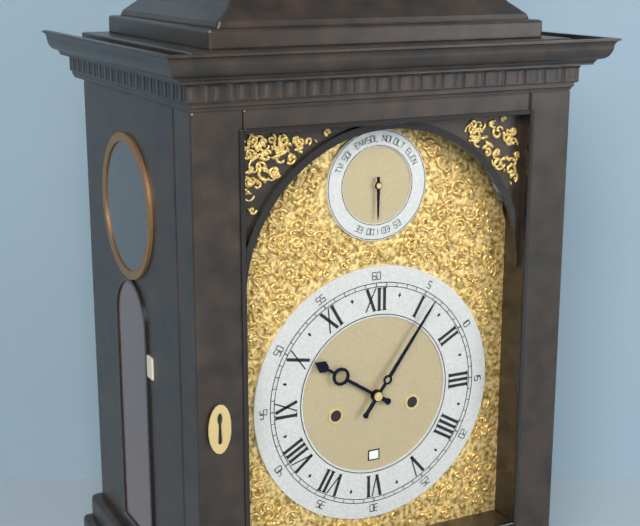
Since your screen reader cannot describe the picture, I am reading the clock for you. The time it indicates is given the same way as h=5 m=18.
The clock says h=10 m=6
